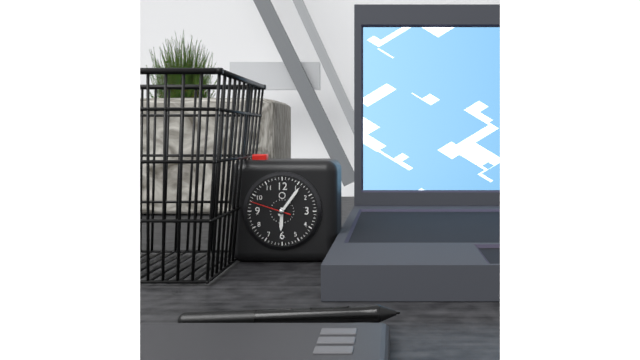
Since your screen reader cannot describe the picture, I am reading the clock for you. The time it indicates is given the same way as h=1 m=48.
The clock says h=6 m=6
